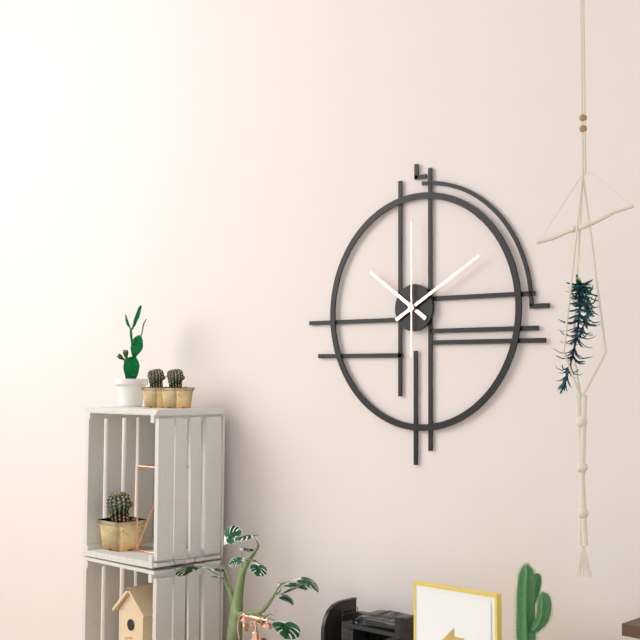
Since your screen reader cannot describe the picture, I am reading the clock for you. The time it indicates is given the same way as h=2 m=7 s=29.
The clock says h=10 m=10 s=0
